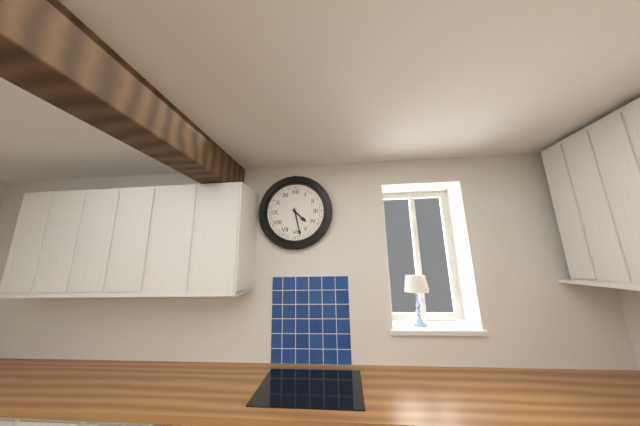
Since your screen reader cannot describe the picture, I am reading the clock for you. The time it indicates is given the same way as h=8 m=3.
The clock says h=4 m=28
